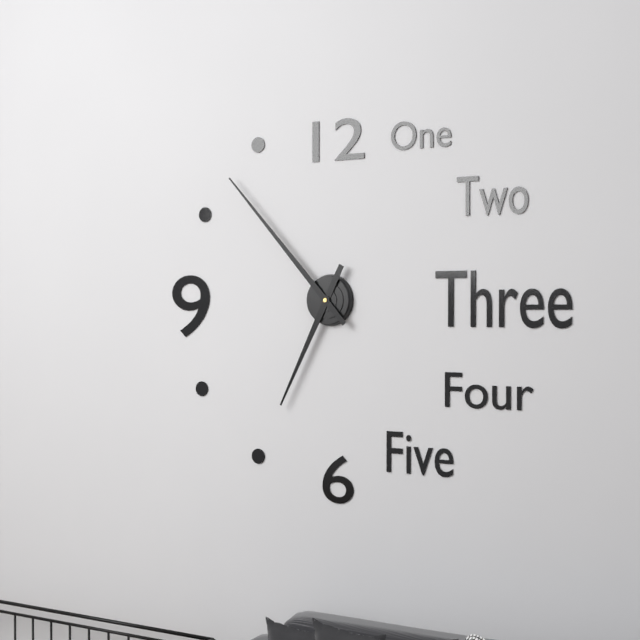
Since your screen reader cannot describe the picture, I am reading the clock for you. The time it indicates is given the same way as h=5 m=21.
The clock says h=6 m=53
